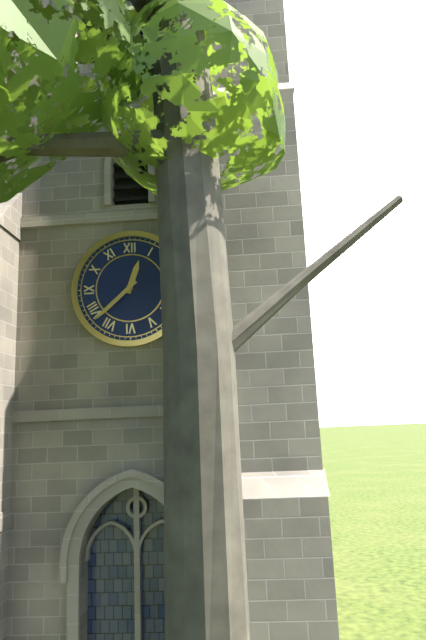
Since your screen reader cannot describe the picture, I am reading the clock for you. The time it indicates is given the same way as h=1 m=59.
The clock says h=12 m=38
